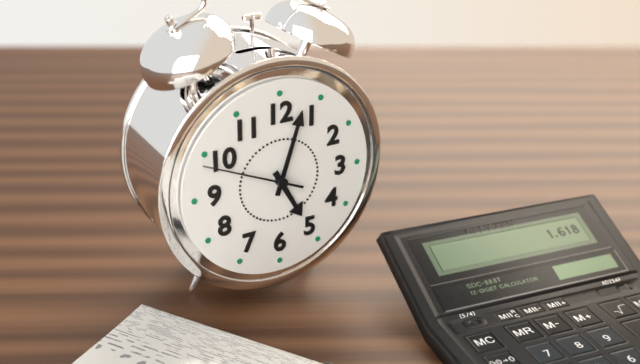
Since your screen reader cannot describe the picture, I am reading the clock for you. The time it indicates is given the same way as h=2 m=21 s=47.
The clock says h=5 m=3 s=49
